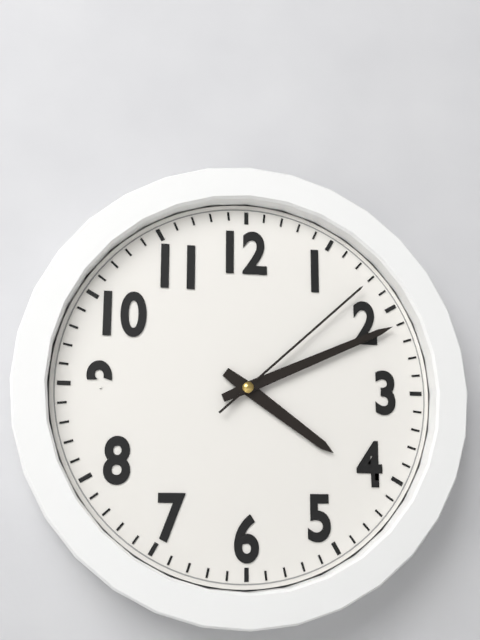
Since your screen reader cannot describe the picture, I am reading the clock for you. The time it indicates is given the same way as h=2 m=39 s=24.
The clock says h=4 m=11 s=8
